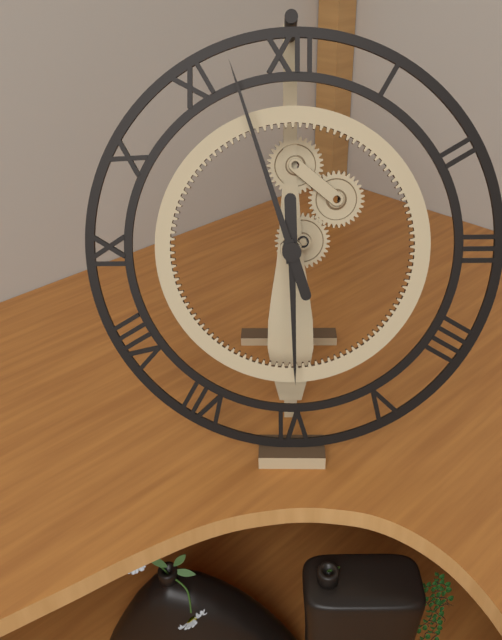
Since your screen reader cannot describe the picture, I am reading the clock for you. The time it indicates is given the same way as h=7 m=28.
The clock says h=5 m=57
